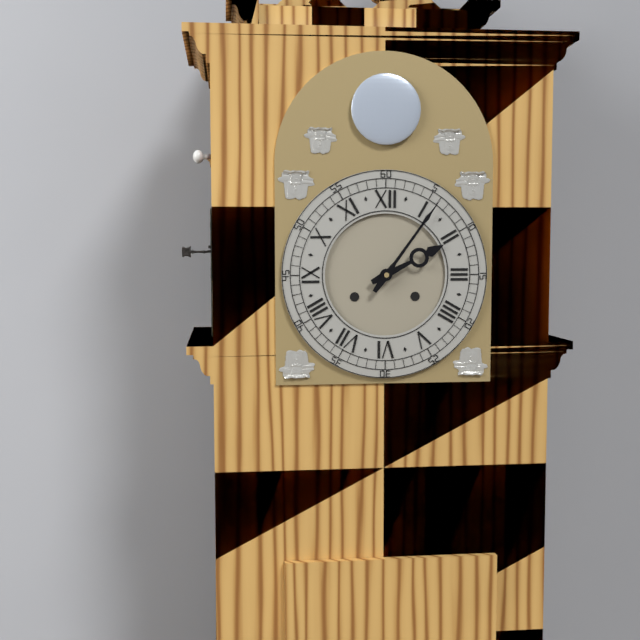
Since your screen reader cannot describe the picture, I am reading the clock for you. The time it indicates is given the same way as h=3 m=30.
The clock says h=2 m=6
